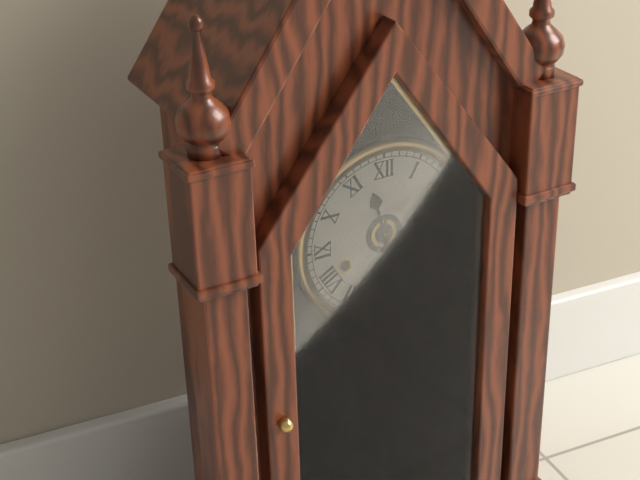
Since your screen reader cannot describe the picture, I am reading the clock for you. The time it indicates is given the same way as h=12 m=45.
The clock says h=11 m=30
